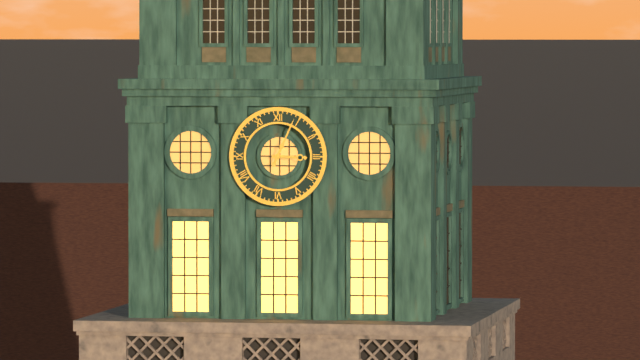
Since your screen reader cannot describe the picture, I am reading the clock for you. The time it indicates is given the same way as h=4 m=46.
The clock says h=3 m=4
